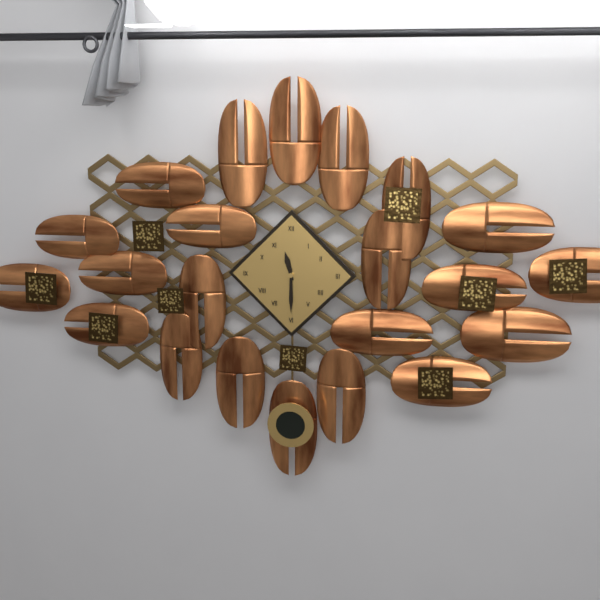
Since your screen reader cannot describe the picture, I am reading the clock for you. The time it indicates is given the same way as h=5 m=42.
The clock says h=11 m=30
